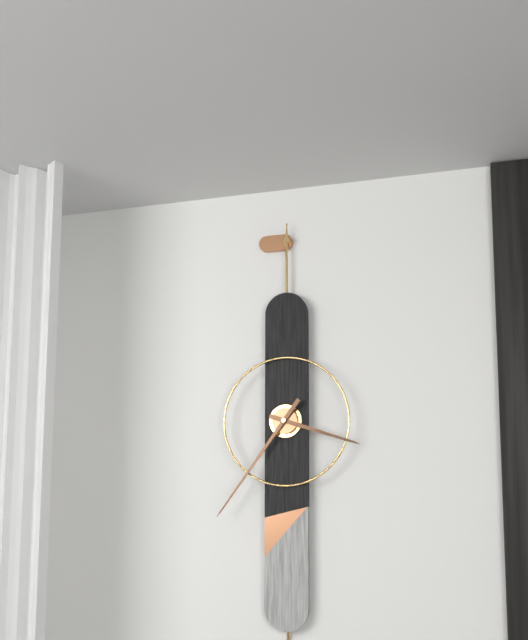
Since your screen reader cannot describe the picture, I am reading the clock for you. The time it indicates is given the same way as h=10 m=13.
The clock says h=3 m=36
